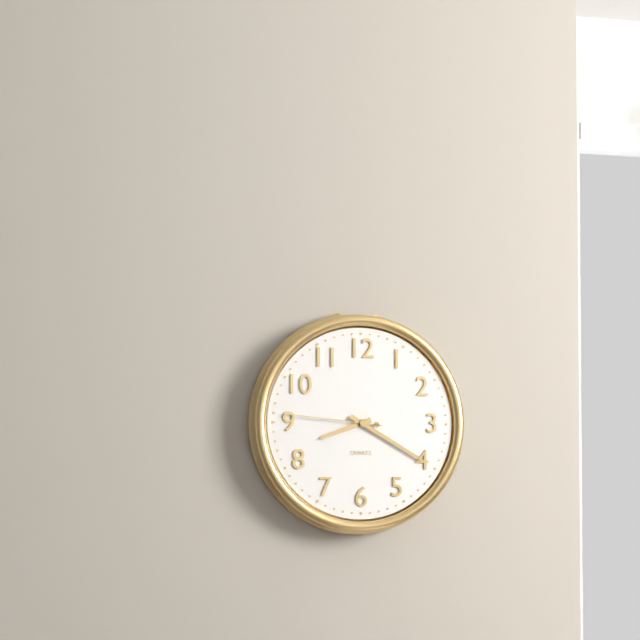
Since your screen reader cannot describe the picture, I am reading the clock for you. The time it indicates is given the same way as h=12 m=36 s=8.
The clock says h=8 m=20 s=46
